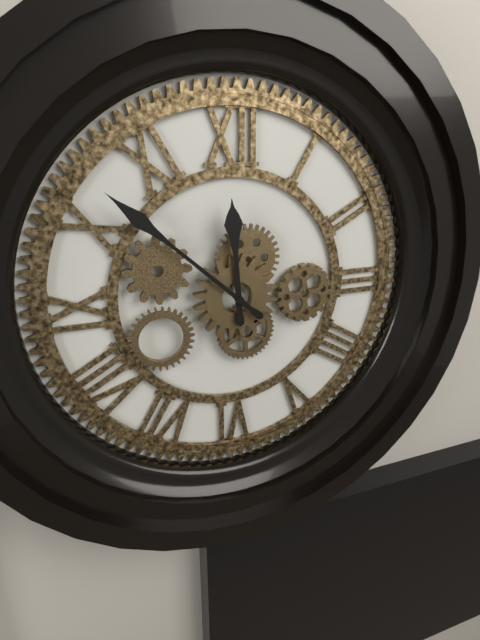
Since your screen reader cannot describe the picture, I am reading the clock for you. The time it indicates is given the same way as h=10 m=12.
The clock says h=11 m=52
